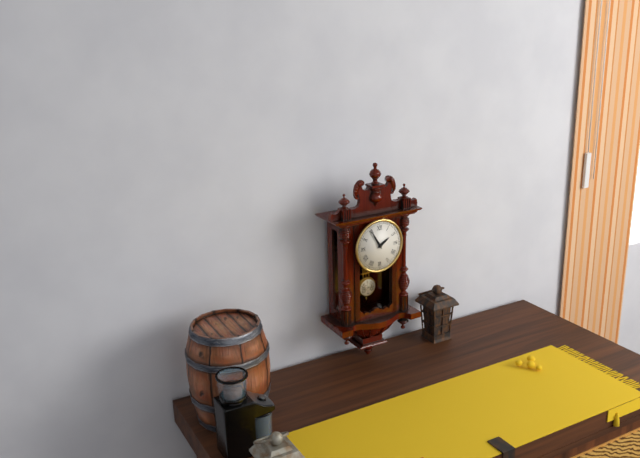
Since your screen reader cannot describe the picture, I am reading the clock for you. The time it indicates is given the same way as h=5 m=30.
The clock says h=1 m=55
